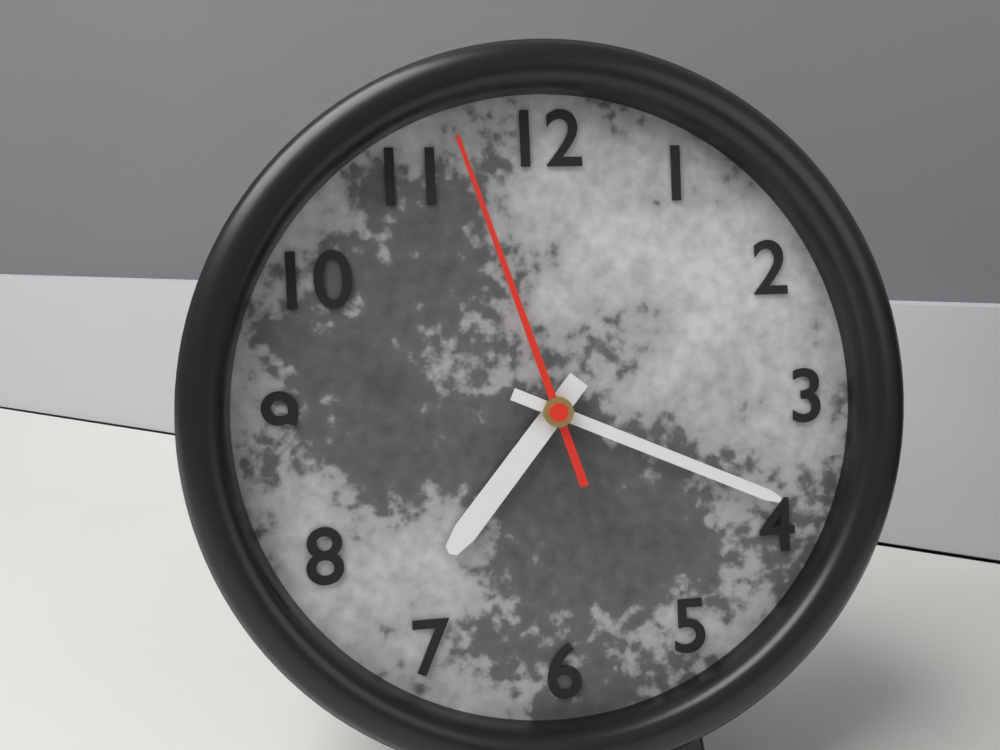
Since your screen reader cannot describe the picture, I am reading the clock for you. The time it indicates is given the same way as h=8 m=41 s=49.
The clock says h=7 m=19 s=57
